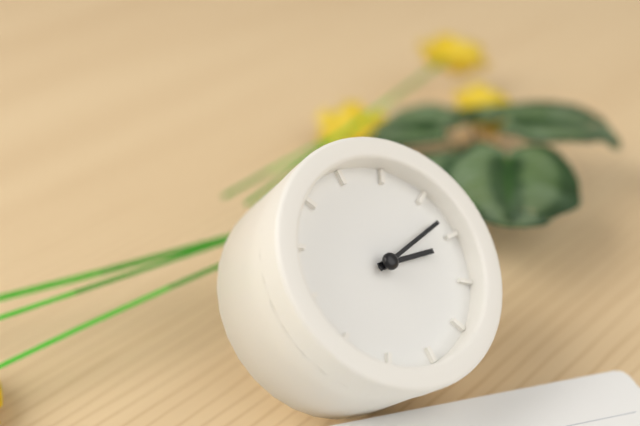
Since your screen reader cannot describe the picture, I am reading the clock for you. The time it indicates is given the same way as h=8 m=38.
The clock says h=3 m=13
